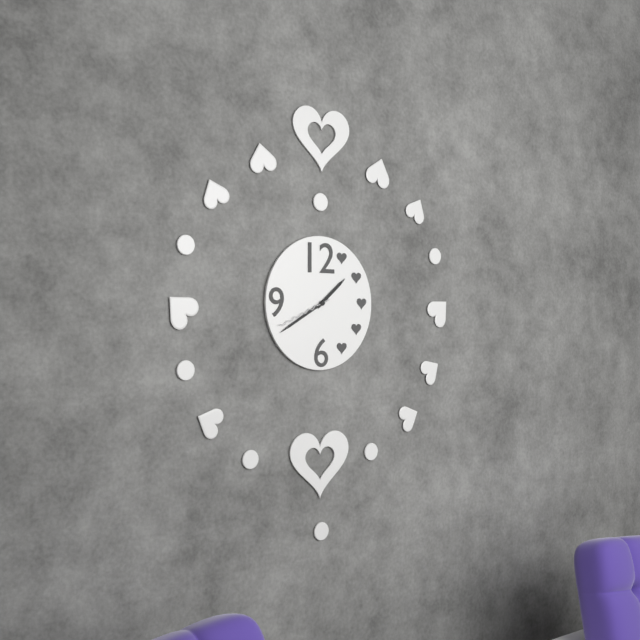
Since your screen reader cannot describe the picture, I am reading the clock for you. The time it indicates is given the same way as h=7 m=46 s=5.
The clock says h=1 m=40 s=41
